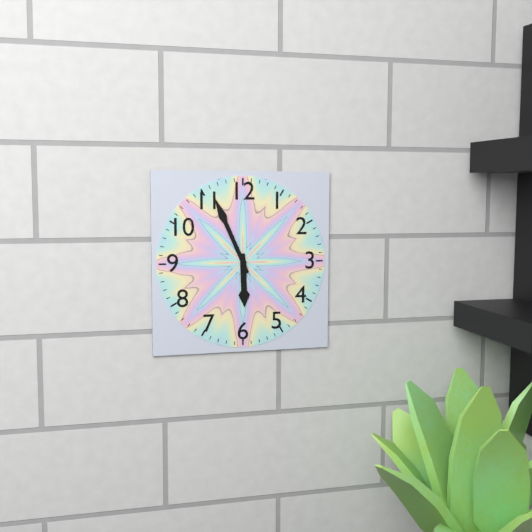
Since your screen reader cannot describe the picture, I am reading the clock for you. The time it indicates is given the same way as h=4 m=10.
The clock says h=5 m=56
